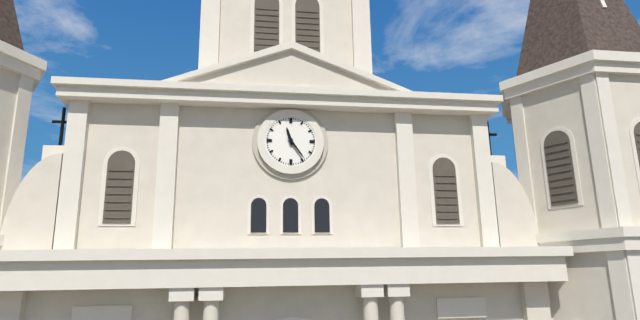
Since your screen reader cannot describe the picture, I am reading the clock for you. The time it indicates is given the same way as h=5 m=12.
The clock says h=11 m=24
